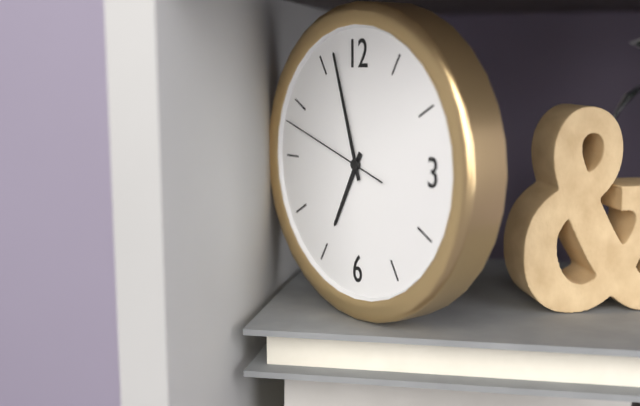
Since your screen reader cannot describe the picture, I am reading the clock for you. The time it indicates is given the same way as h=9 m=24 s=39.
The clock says h=6 m=57 s=48
